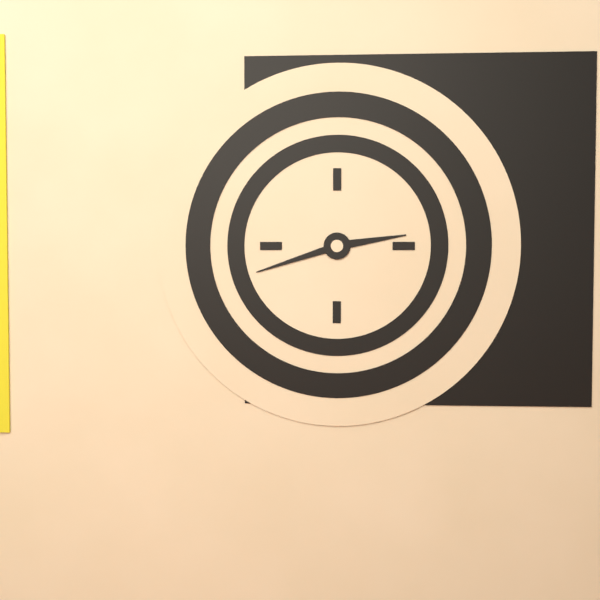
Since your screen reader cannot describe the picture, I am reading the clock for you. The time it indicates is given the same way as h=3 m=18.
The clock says h=2 m=42
